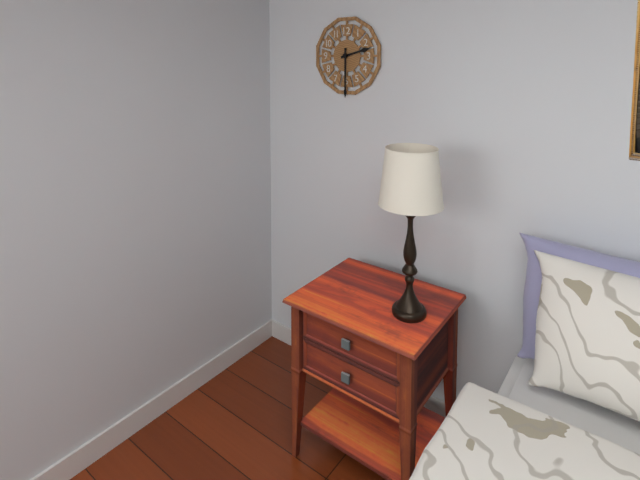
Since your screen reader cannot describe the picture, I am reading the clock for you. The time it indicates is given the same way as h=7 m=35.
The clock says h=2 m=30
